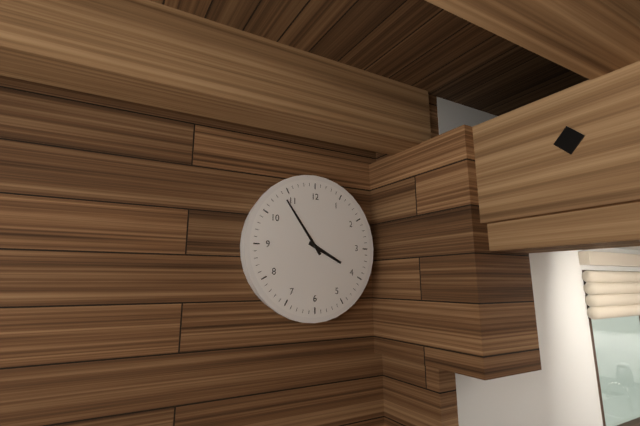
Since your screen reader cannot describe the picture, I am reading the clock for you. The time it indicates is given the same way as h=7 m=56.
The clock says h=3 m=54
